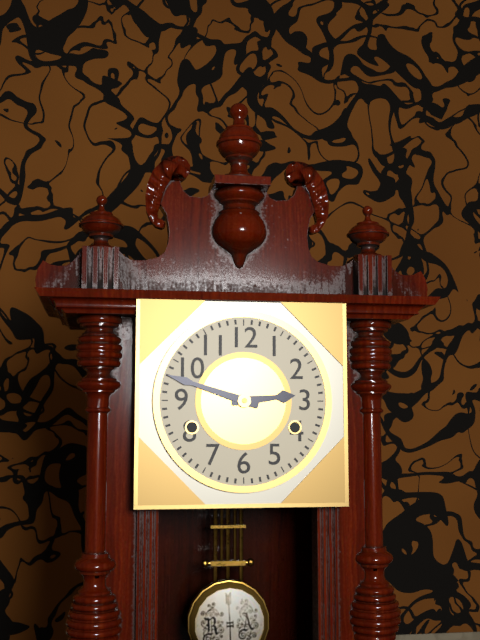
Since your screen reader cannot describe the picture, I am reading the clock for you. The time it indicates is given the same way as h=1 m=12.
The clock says h=2 m=48
